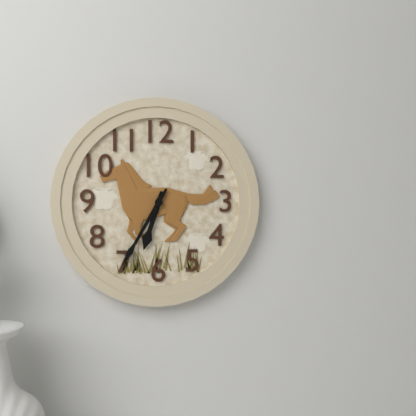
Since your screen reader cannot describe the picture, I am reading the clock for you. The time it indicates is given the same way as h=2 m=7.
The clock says h=6 m=35
